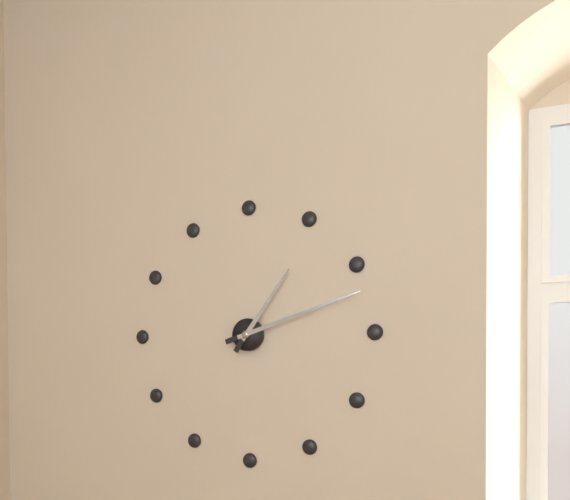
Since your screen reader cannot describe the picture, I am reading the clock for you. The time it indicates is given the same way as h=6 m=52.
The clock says h=1 m=12
